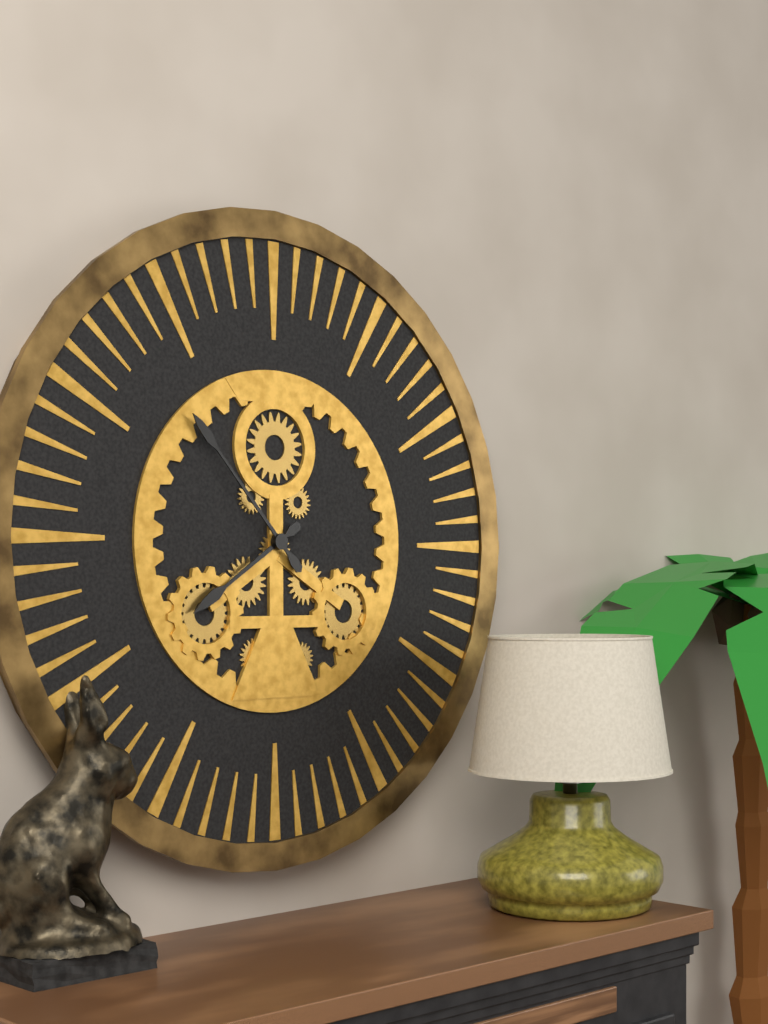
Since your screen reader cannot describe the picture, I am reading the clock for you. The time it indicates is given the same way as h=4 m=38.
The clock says h=7 m=53
